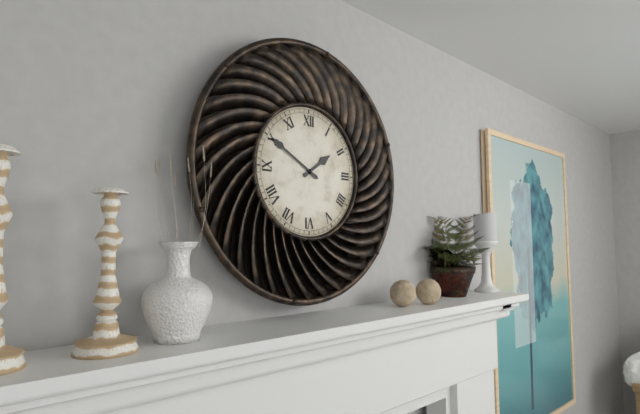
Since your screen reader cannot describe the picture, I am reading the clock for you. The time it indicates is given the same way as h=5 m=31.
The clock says h=1 m=50
